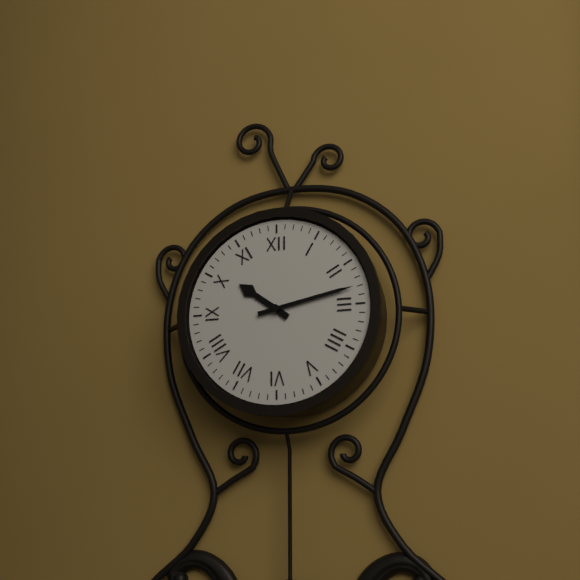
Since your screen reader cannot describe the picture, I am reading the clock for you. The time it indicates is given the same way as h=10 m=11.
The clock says h=10 m=13
